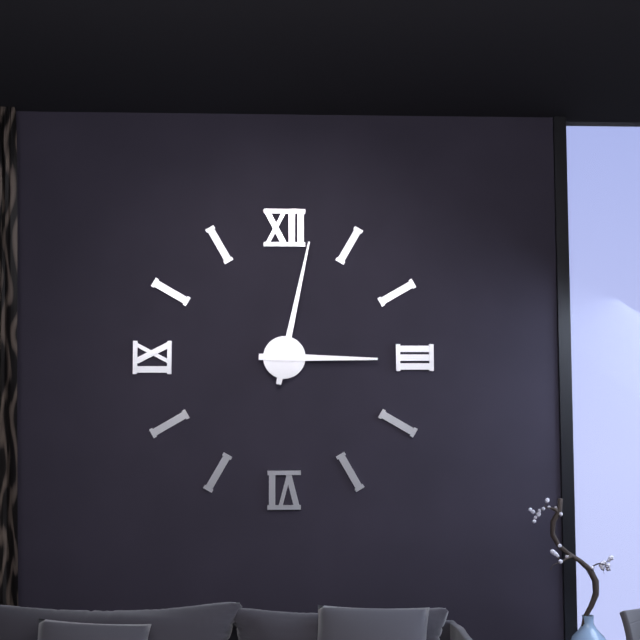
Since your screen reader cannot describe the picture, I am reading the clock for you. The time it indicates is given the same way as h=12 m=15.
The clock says h=3 m=2
